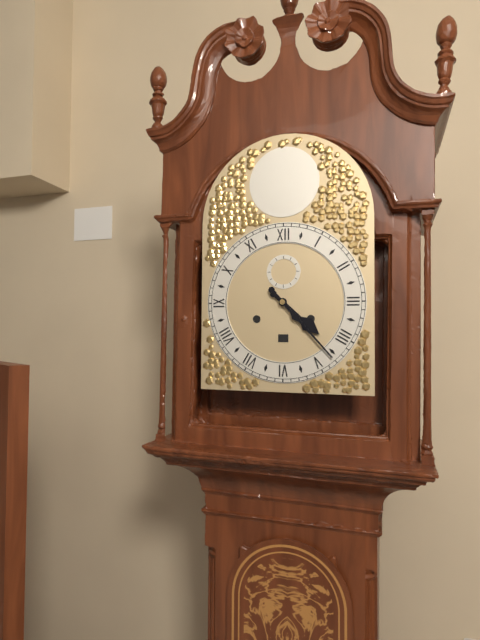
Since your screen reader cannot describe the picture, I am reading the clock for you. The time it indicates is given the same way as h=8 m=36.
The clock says h=4 m=23
